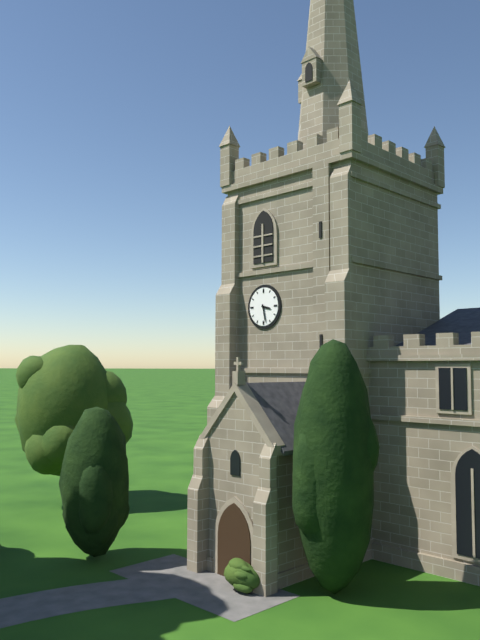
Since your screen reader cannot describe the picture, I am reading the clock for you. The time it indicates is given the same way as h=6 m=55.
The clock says h=3 m=28
